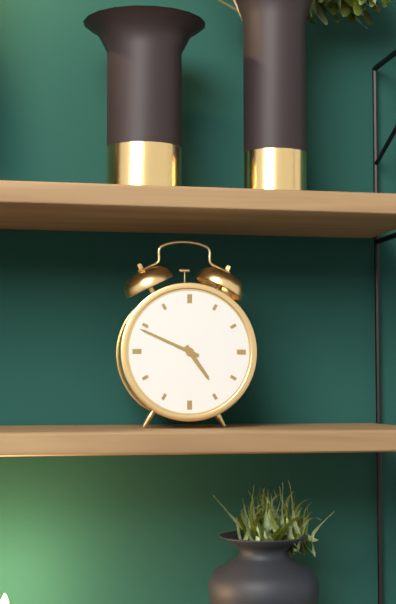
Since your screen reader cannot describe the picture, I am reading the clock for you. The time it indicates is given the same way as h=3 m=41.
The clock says h=4 m=49
